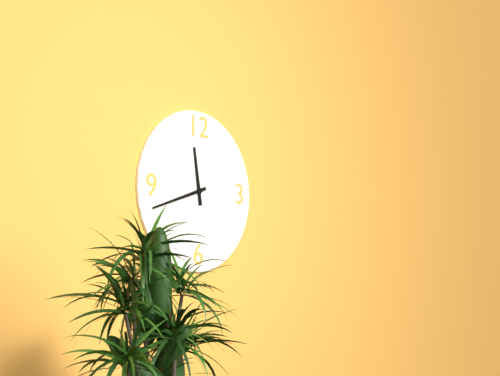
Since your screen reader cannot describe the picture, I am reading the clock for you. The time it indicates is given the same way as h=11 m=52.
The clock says h=11 m=42
